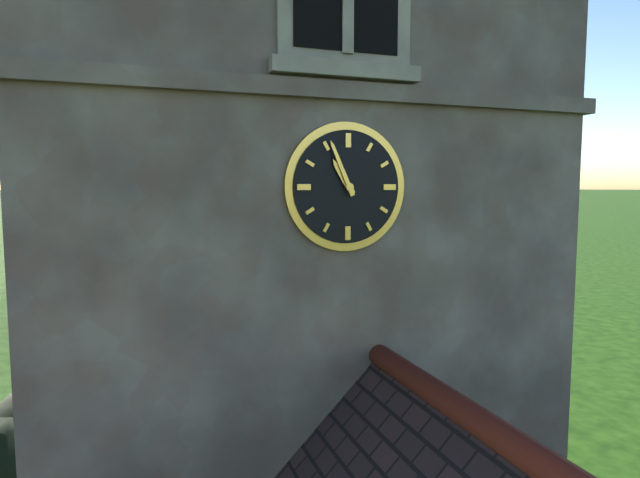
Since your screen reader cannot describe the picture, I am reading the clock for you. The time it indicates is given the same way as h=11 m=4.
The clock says h=10 m=56
